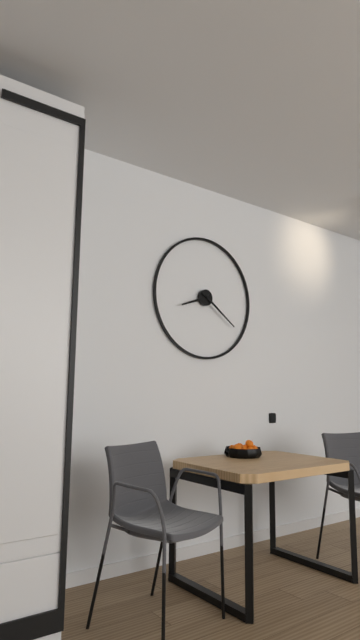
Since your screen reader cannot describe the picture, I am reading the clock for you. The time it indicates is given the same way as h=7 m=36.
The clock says h=8 m=21
